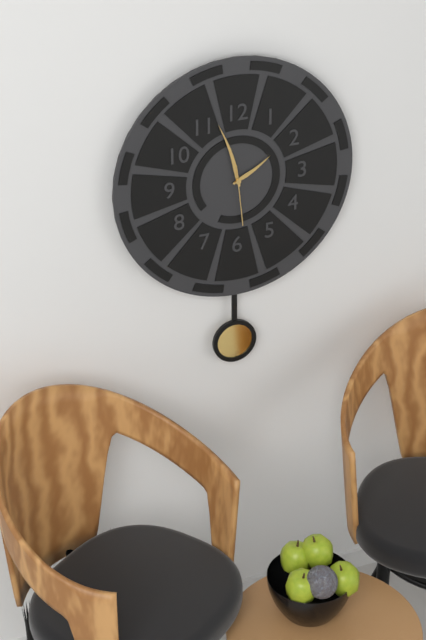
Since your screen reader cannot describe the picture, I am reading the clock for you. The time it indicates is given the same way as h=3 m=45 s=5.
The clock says h=1 m=57 s=29
